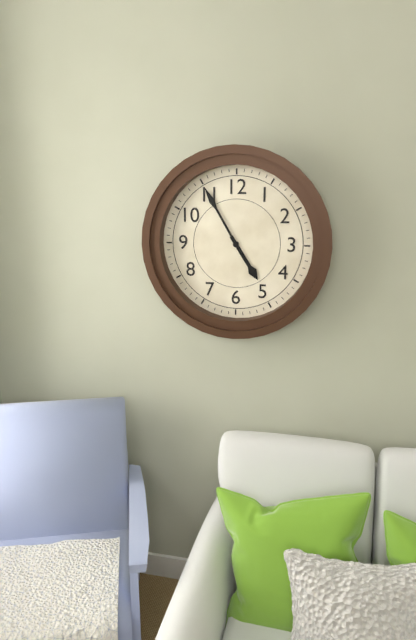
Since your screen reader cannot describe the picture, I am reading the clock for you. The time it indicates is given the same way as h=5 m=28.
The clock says h=4 m=55
